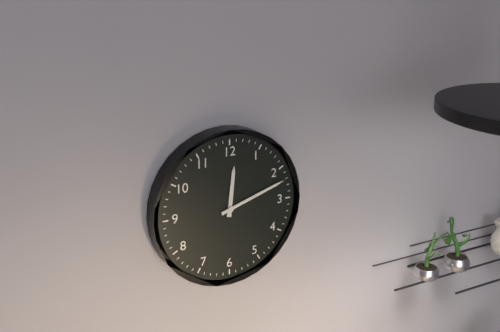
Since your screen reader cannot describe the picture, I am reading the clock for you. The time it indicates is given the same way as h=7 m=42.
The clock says h=12 m=12
